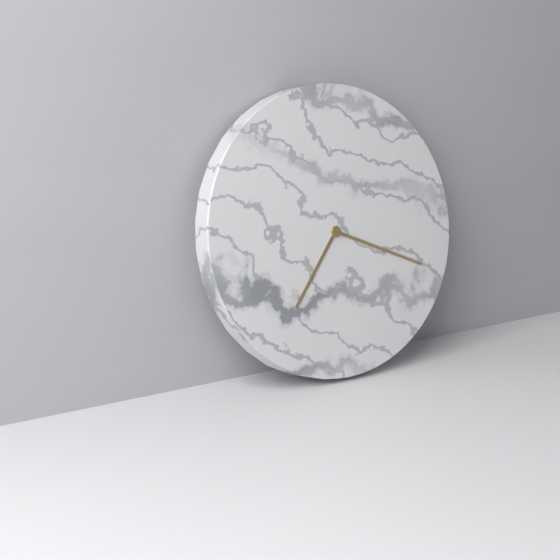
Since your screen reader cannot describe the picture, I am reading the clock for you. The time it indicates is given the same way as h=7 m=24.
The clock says h=7 m=19
